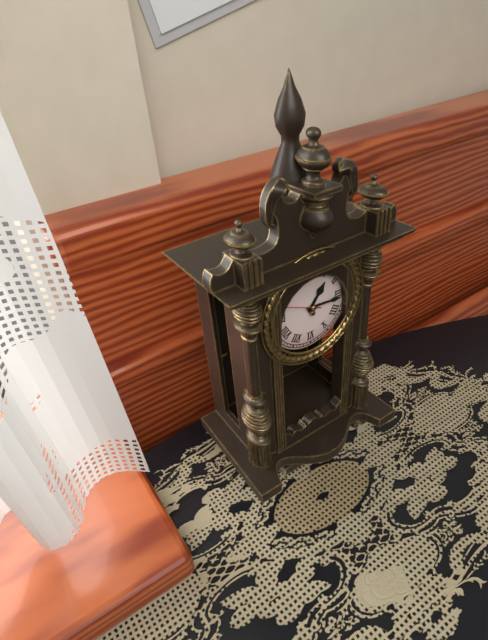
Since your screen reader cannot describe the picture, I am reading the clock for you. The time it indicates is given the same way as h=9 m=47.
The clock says h=1 m=16
